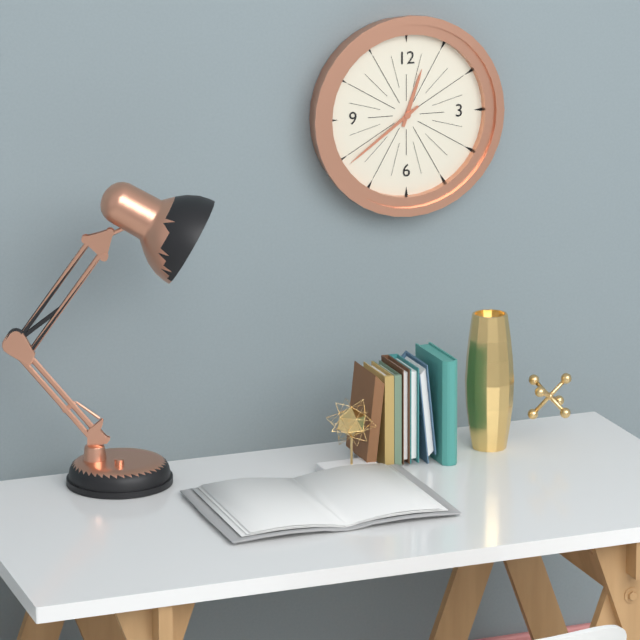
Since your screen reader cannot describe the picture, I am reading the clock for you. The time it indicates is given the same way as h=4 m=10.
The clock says h=12 m=39
